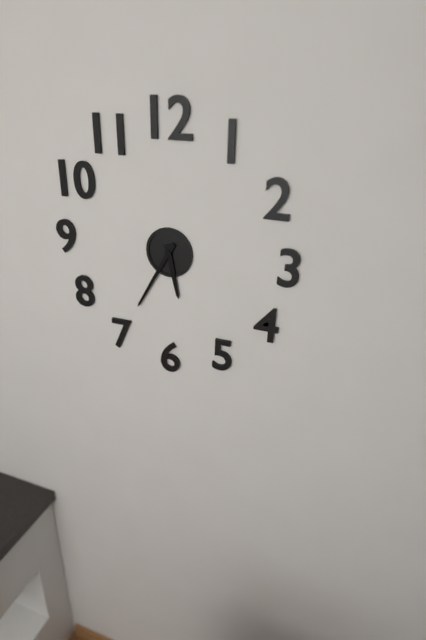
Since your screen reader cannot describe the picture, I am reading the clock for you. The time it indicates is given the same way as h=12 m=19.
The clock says h=5 m=35
